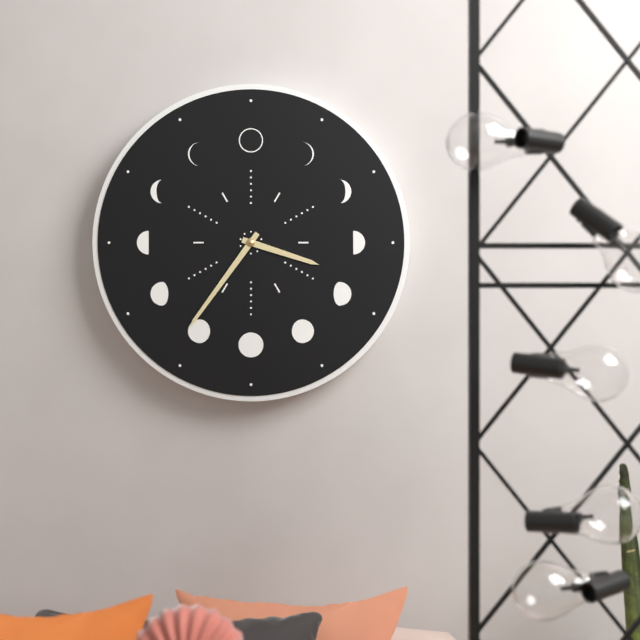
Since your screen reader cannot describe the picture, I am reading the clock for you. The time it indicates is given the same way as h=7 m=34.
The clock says h=3 m=36
